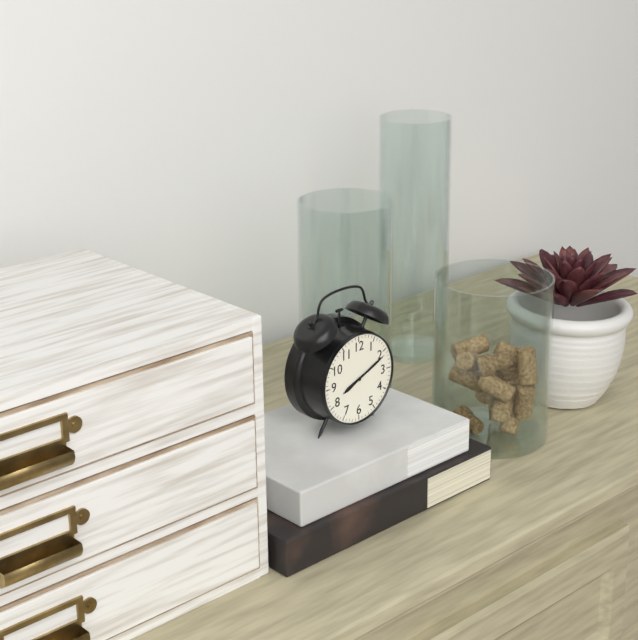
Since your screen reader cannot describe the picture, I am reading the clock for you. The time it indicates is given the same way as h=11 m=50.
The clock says h=8 m=11
